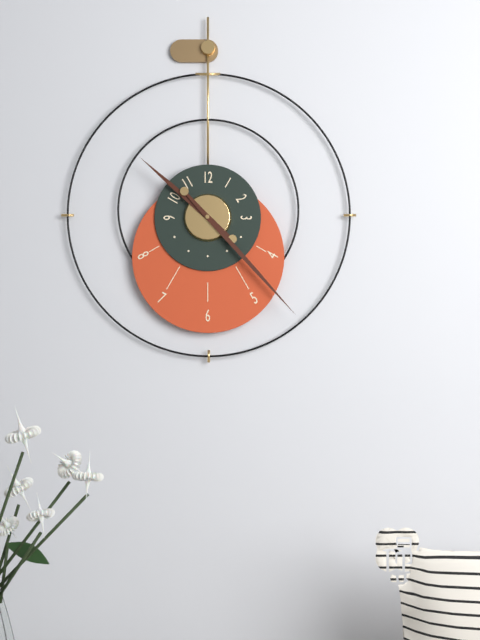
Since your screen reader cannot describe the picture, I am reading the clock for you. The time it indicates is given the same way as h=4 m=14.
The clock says h=10 m=23
